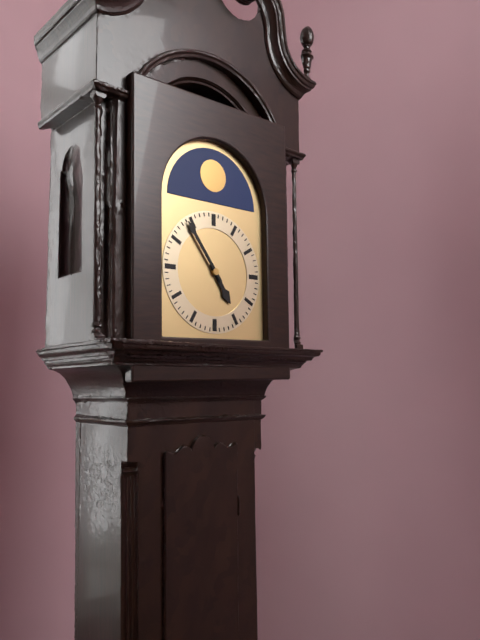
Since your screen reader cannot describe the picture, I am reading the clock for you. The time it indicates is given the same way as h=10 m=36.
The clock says h=4 m=54
